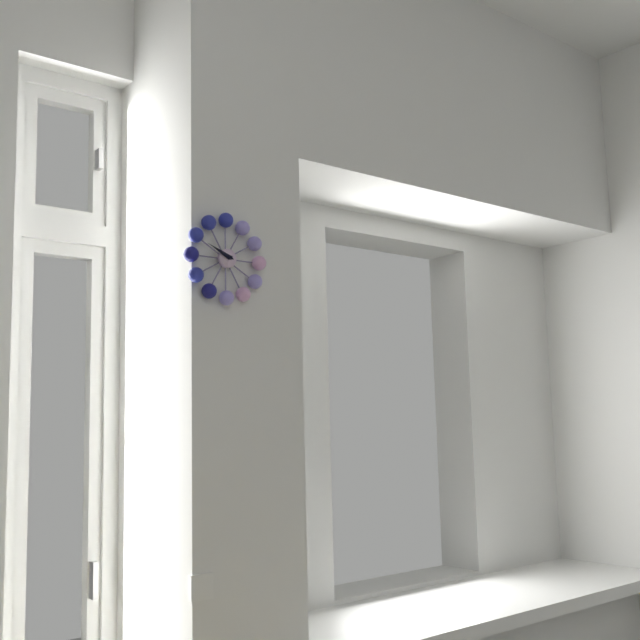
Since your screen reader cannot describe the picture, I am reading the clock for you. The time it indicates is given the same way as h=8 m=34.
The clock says h=9 m=49
